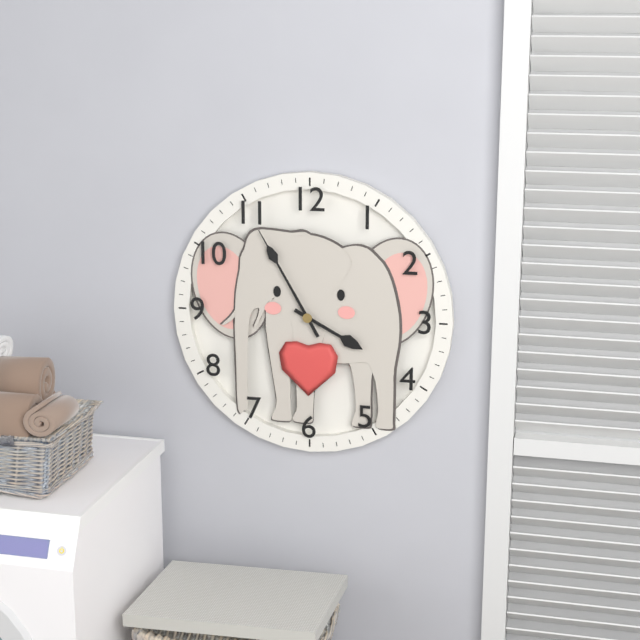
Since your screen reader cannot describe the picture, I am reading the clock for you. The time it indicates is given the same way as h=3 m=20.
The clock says h=3 m=55
